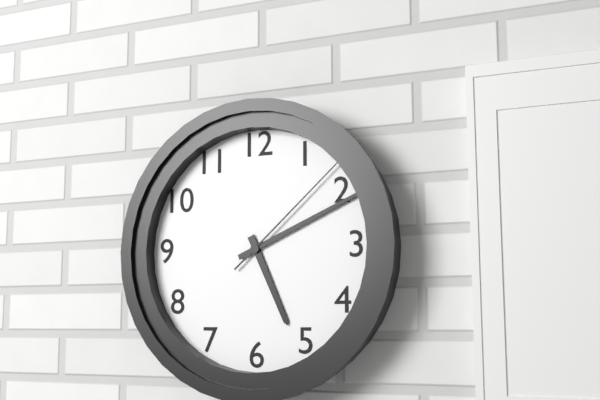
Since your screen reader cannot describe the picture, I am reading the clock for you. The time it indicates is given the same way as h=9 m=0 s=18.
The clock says h=5 m=11 s=8
